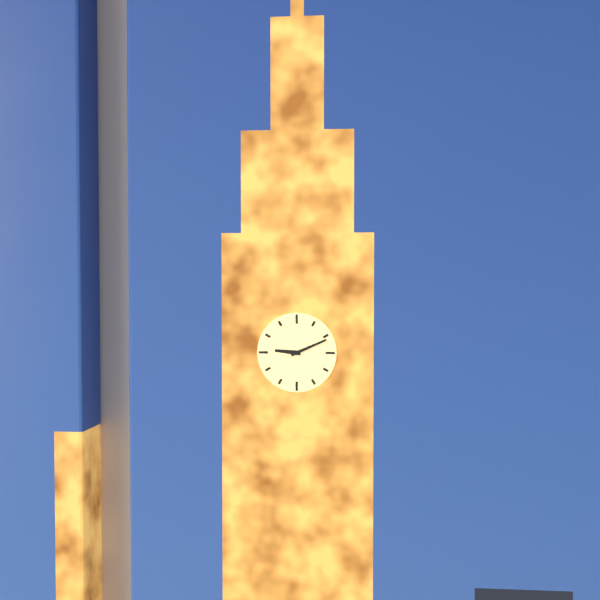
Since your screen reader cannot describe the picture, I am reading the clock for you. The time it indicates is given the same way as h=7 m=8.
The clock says h=9 m=11
